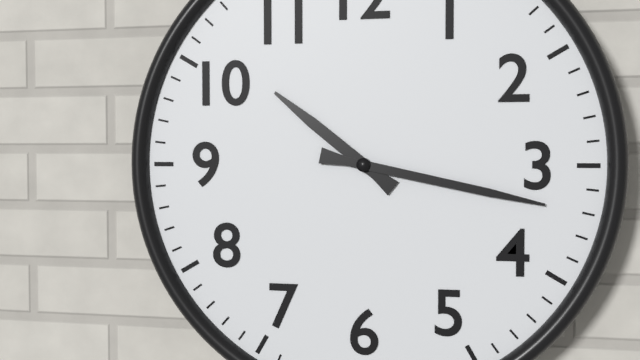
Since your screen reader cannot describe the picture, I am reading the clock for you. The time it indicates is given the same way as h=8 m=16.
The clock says h=10 m=17
